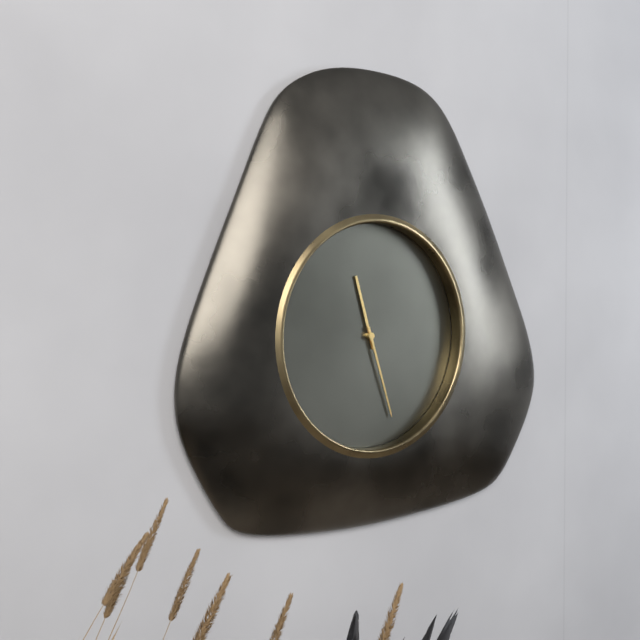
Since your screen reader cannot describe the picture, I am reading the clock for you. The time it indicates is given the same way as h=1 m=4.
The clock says h=11 m=27
